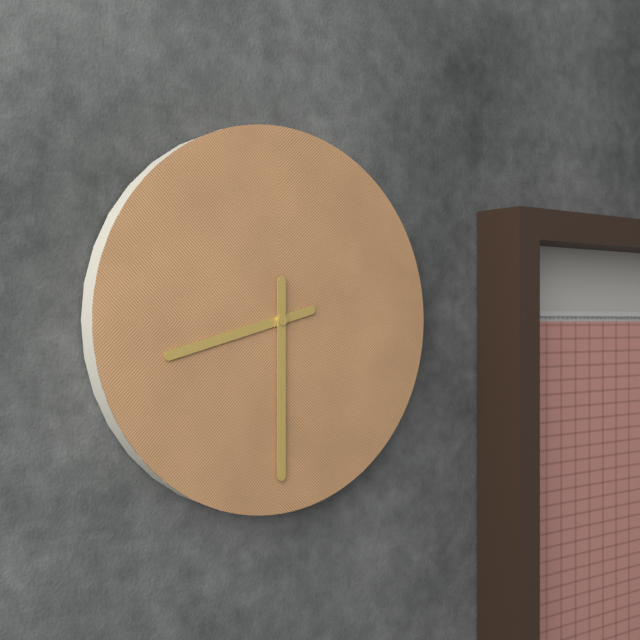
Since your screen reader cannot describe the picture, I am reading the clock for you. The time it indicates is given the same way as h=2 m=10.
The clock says h=8 m=30
